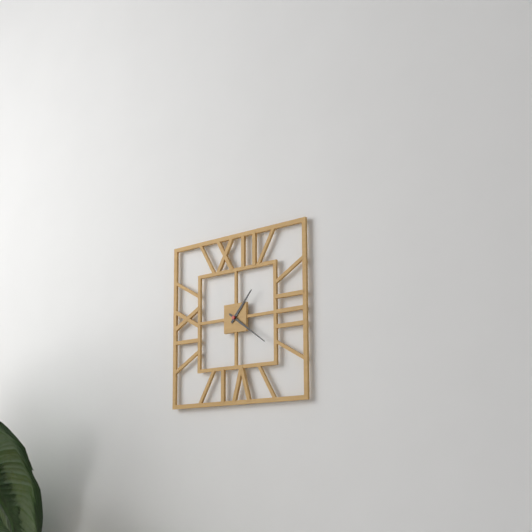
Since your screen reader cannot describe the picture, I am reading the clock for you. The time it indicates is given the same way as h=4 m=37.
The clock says h=1 m=21
